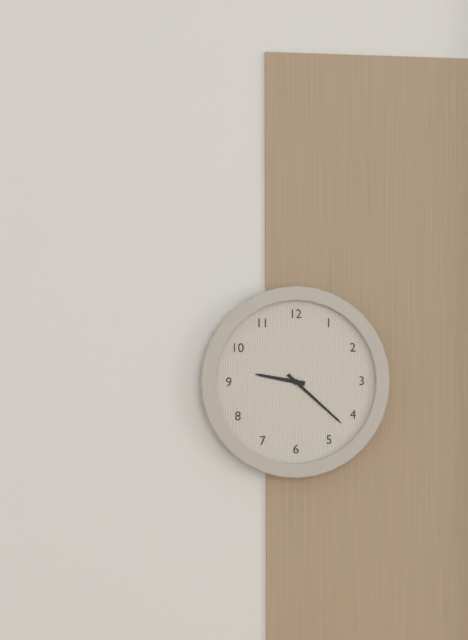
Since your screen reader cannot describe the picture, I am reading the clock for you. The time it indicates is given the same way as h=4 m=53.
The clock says h=9 m=22
